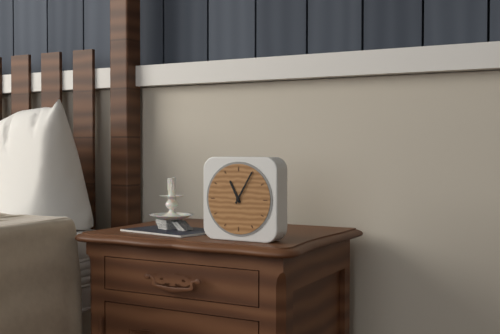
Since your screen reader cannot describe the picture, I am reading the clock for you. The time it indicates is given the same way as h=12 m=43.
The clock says h=11 m=5
